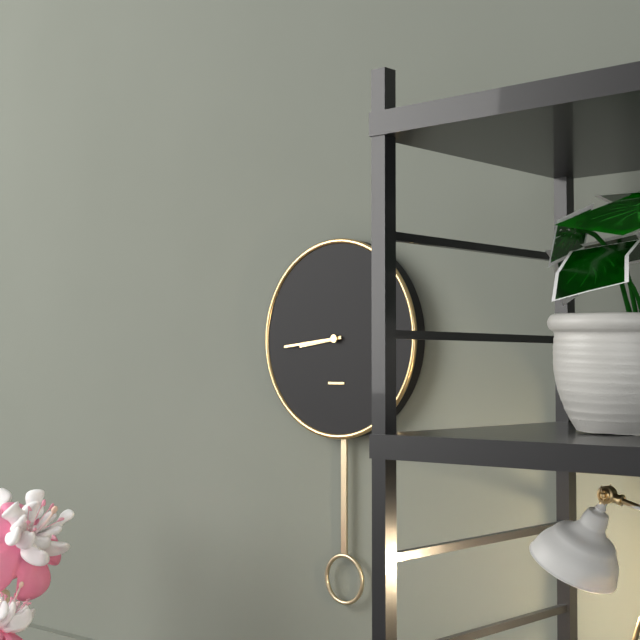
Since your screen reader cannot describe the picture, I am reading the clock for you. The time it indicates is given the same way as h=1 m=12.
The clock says h=8 m=44
